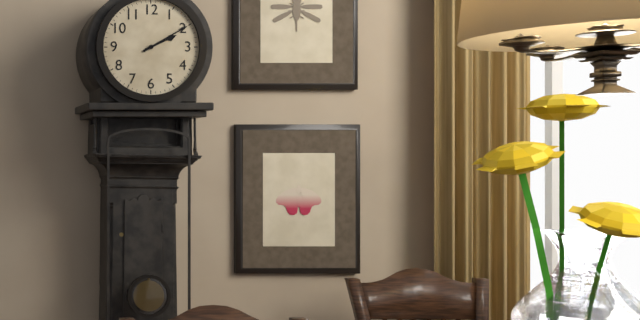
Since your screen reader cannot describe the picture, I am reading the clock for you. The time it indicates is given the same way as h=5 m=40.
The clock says h=2 m=10
